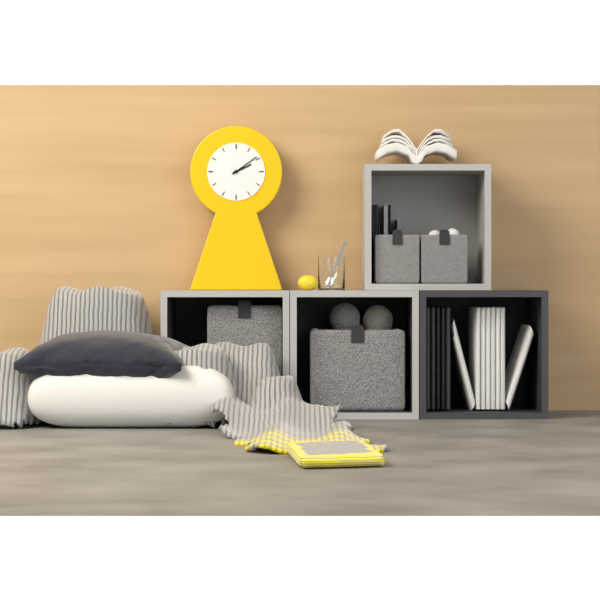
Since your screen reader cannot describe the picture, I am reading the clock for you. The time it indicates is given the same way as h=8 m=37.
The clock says h=2 m=9
